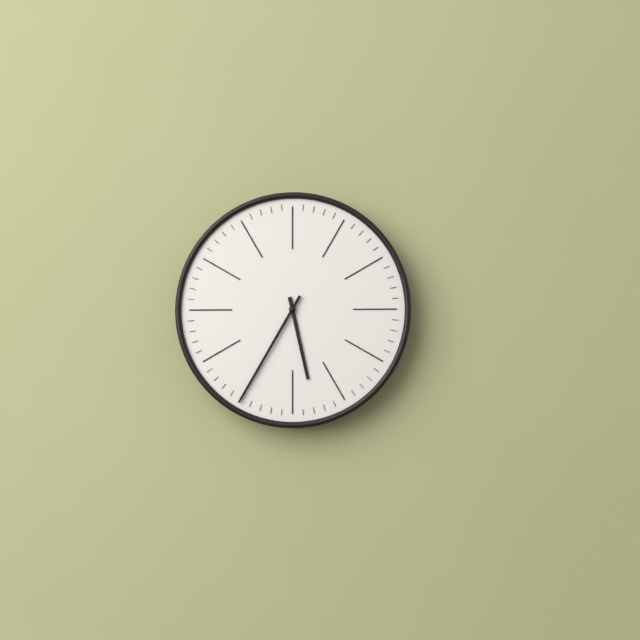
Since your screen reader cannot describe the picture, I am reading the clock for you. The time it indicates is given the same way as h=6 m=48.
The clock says h=5 m=35
